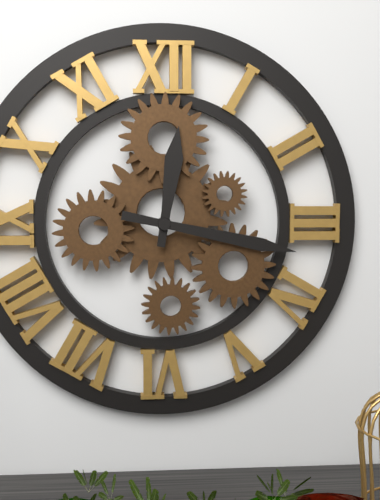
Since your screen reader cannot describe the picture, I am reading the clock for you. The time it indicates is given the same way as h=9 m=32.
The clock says h=12 m=17
